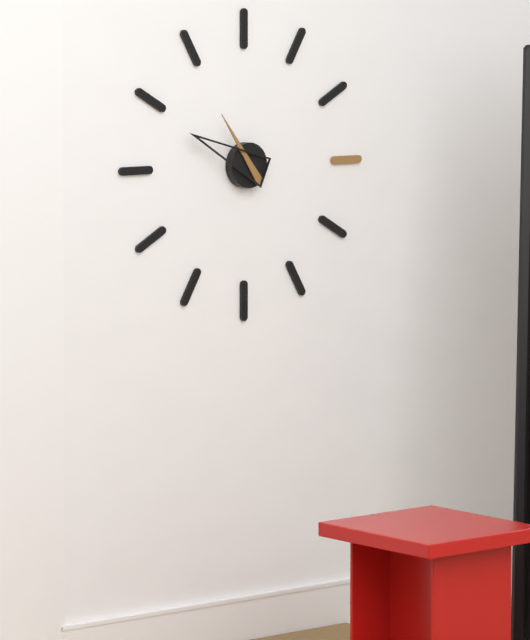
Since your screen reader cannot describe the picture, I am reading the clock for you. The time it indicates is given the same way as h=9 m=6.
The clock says h=10 m=49
